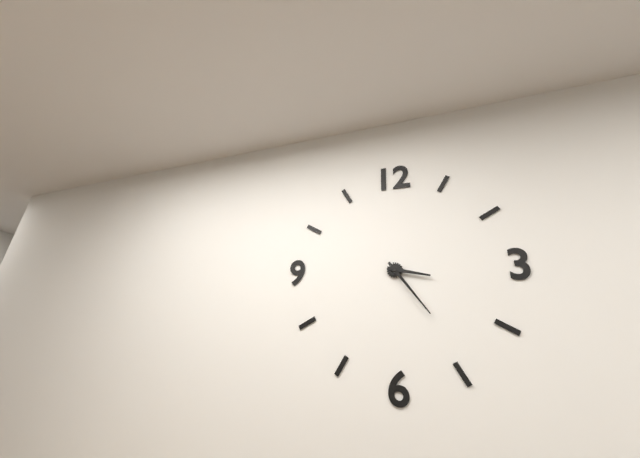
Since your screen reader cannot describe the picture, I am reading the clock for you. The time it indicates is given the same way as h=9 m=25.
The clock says h=3 m=24
